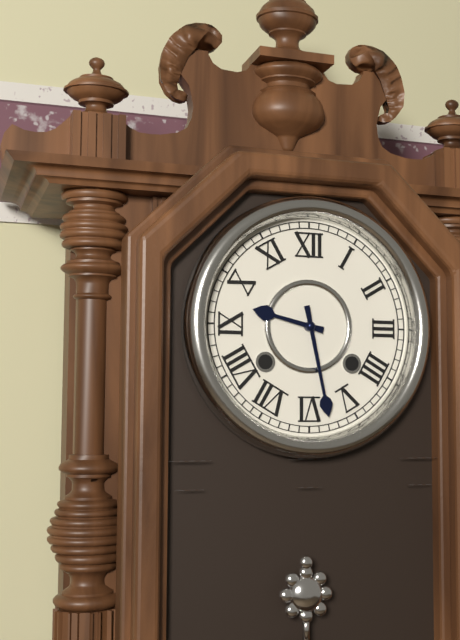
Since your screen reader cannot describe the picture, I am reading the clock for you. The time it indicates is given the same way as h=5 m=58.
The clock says h=9 m=28
